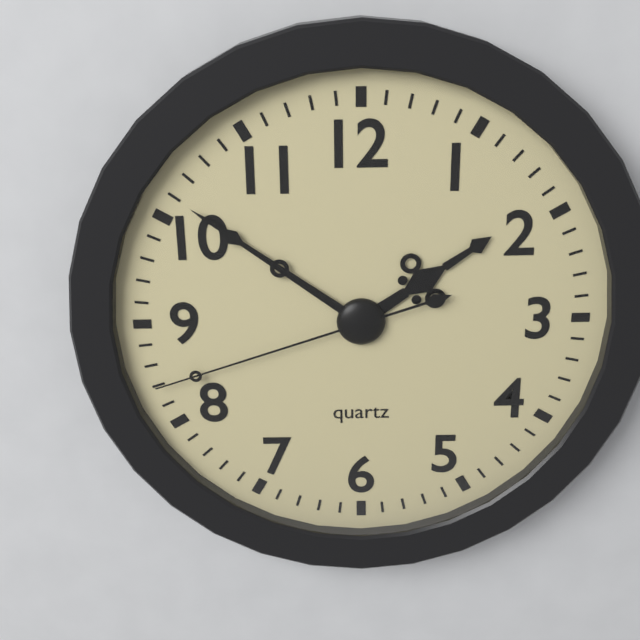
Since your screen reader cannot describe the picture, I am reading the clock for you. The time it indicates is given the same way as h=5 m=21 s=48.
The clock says h=1 m=51 s=42
